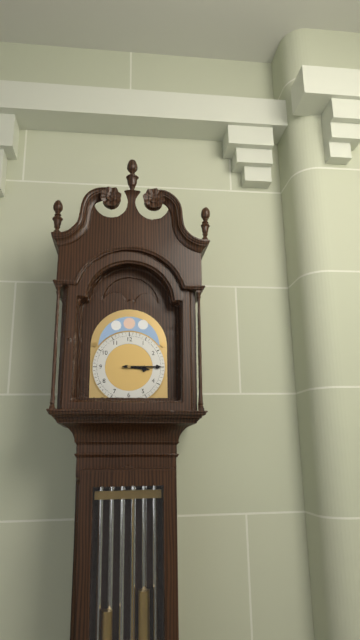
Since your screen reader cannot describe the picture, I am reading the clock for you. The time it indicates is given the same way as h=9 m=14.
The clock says h=3 m=15
